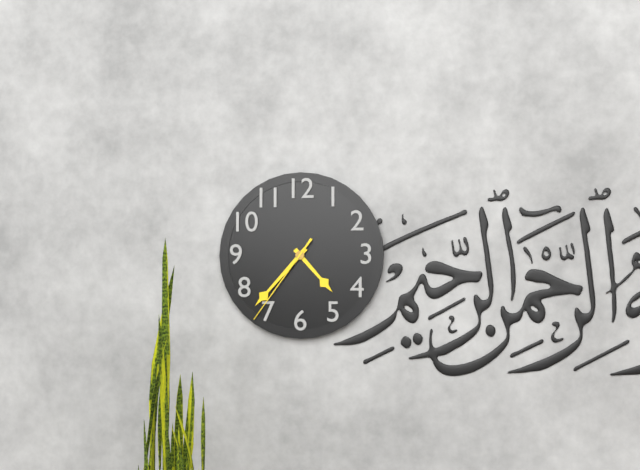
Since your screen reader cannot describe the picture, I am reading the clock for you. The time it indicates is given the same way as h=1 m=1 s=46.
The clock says h=4 m=37 s=36
